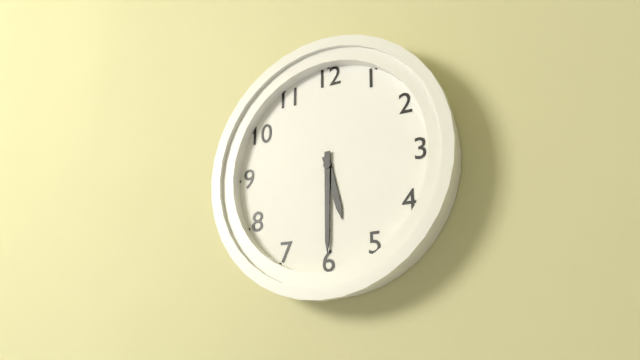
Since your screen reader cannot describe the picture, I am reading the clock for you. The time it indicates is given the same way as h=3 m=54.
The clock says h=5 m=30
